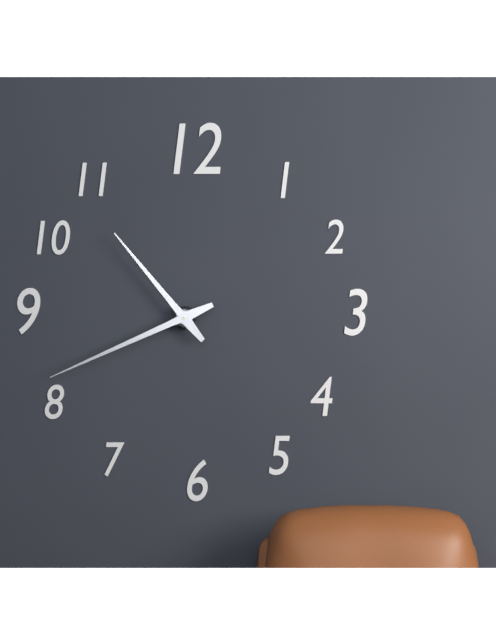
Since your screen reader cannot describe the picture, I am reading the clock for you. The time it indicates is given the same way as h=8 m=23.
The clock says h=10 m=41
